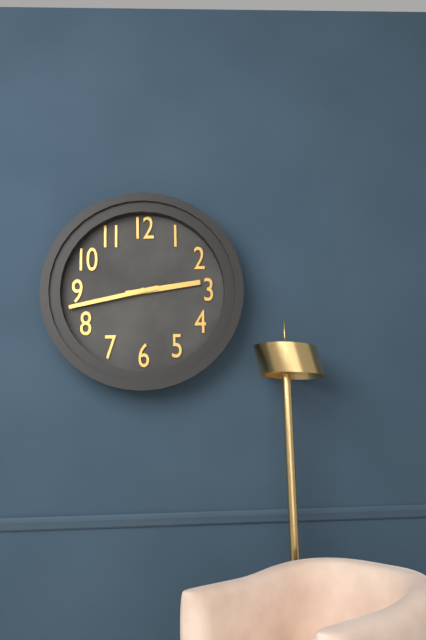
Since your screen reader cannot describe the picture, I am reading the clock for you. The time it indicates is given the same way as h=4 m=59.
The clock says h=2 m=43
